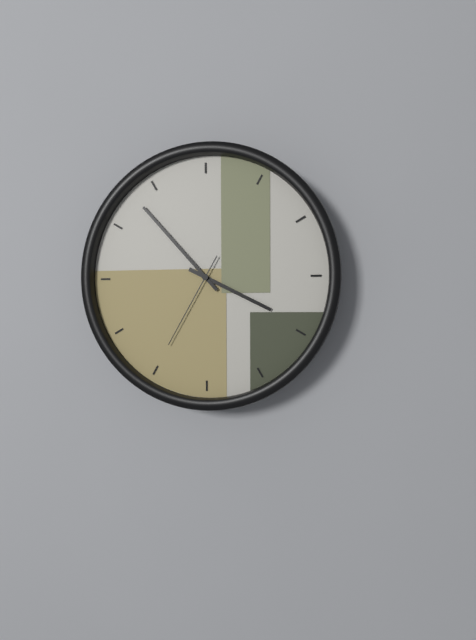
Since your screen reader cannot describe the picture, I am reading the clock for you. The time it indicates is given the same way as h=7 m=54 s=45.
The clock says h=3 m=53 s=35
